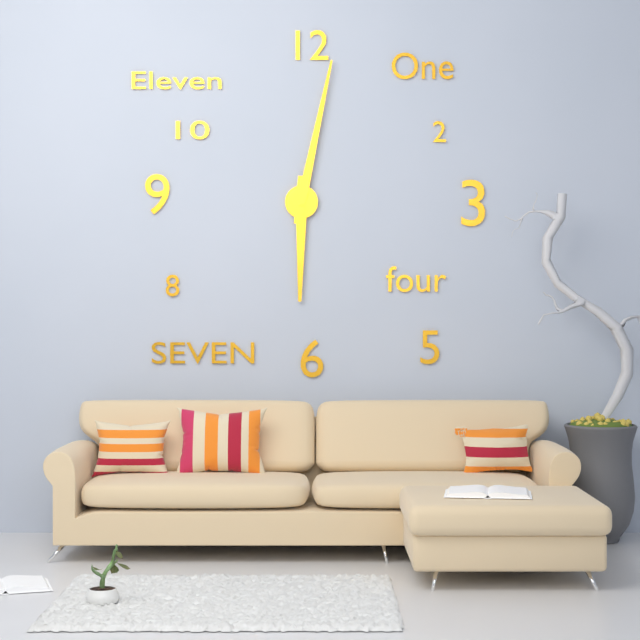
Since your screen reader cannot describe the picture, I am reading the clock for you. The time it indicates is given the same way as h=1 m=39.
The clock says h=6 m=2
